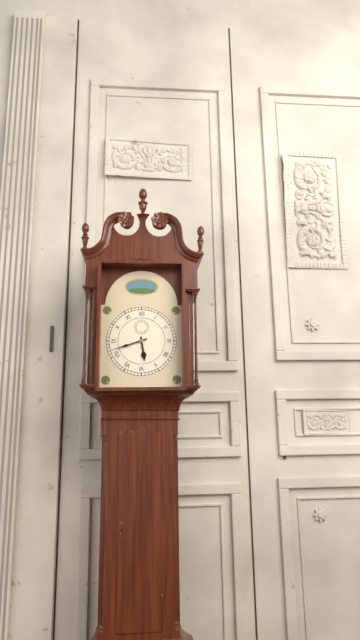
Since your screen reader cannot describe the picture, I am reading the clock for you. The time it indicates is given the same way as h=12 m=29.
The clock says h=5 m=42
